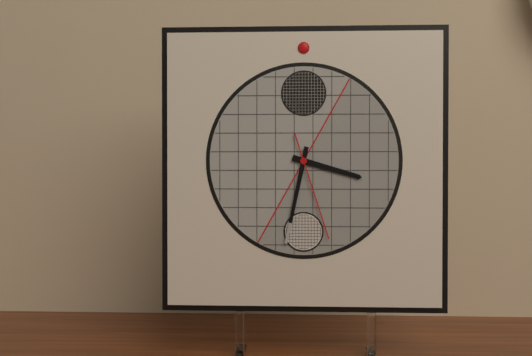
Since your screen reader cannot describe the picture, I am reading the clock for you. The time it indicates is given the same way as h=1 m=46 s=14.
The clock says h=3 m=32 s=27
